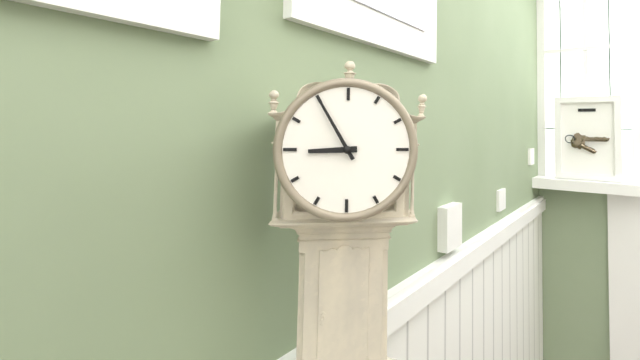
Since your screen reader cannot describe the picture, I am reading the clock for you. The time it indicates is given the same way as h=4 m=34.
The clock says h=8 m=55
